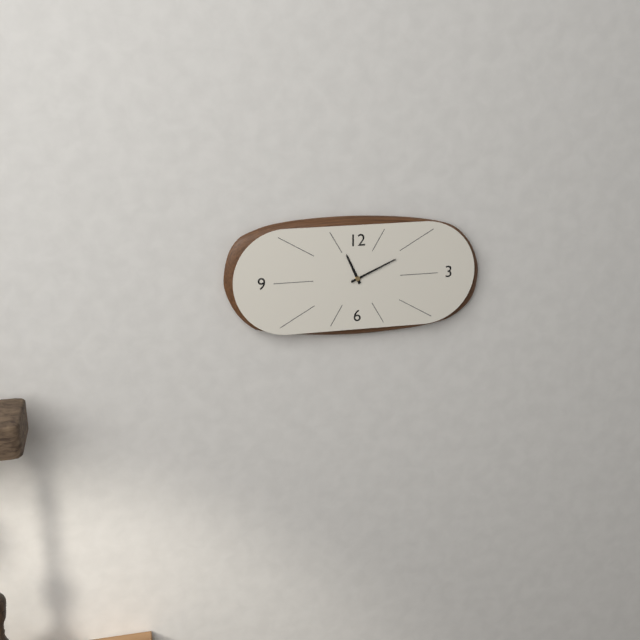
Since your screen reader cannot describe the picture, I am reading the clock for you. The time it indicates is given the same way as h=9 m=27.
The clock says h=11 m=11
